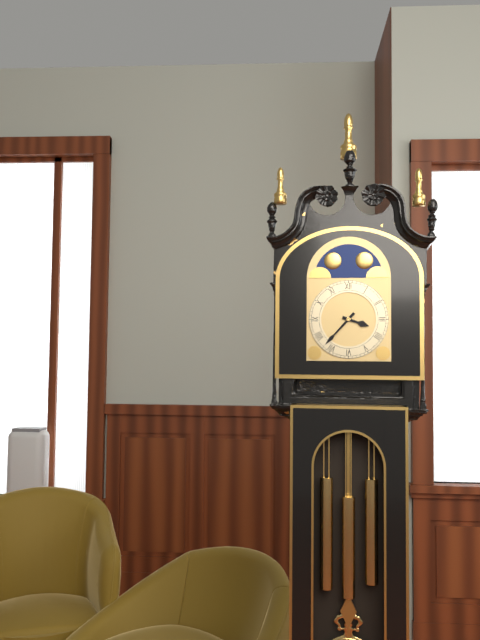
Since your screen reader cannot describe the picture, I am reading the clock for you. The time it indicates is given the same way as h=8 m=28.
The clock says h=3 m=37
